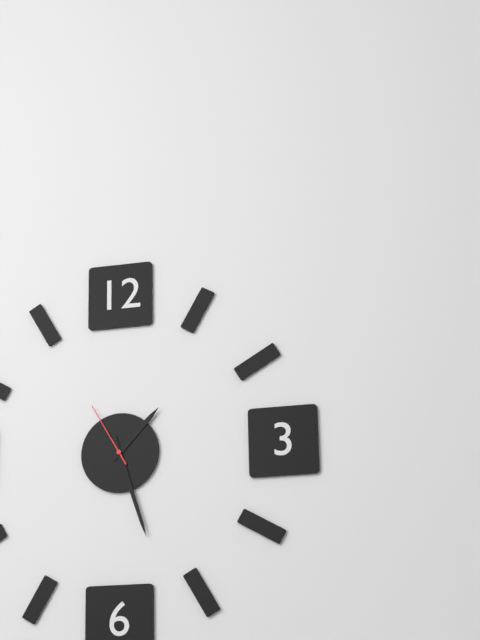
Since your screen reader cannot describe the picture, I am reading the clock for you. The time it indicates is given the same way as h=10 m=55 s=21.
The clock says h=1 m=27 s=55
